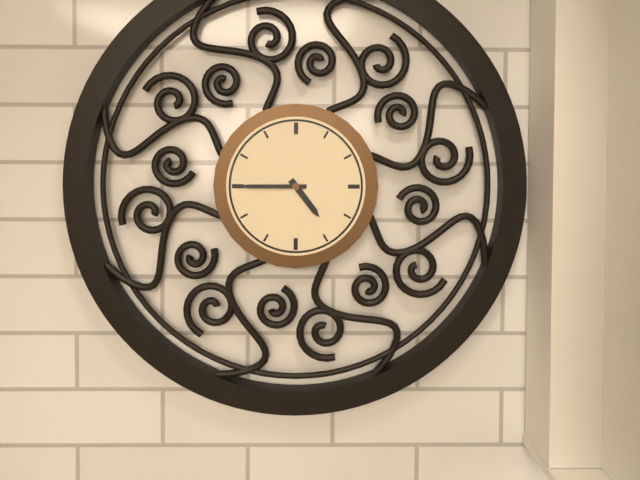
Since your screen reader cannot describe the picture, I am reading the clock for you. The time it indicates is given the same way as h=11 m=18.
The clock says h=4 m=45
